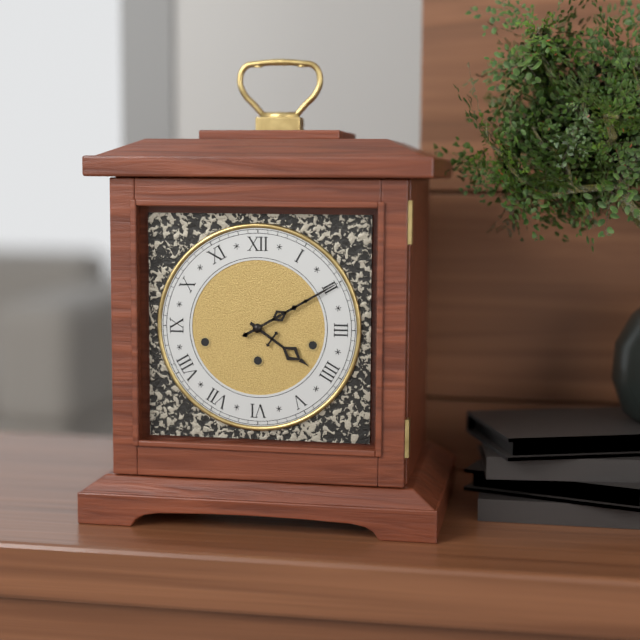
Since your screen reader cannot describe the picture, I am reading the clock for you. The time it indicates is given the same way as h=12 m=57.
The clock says h=4 m=10
